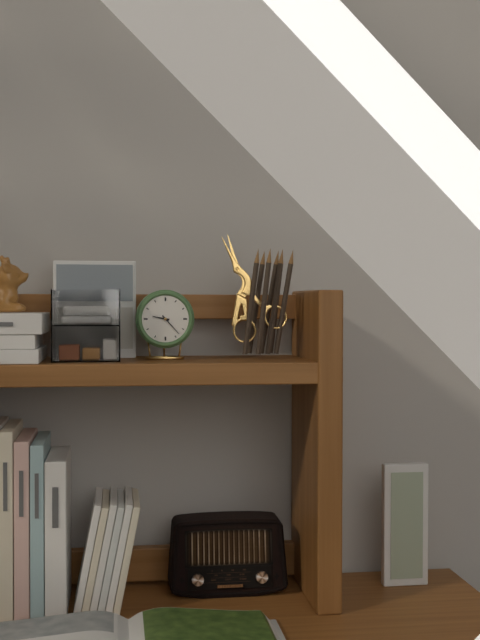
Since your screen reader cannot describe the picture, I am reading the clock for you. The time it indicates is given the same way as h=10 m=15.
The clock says h=9 m=23
